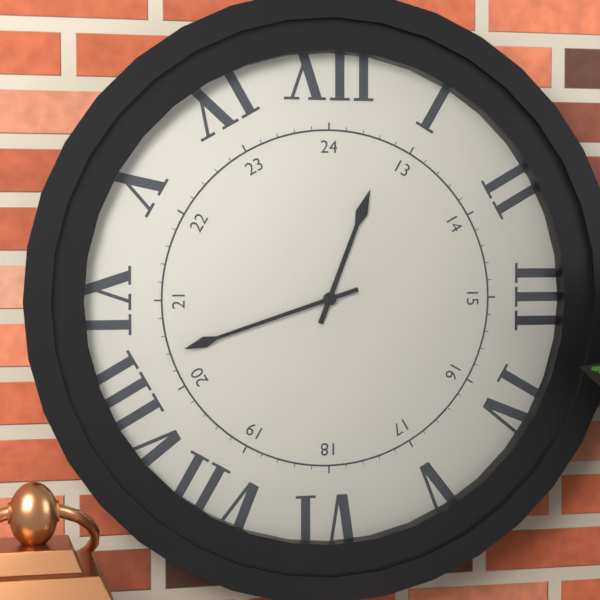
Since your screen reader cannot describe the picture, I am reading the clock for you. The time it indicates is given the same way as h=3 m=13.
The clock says h=12 m=42
